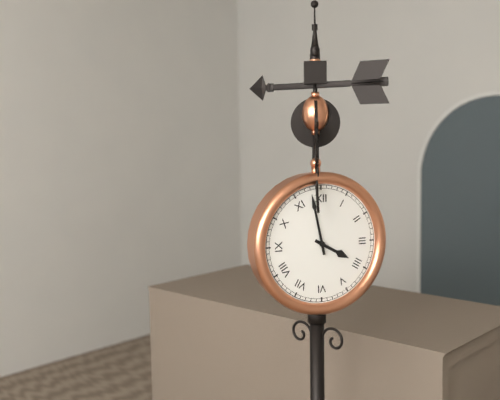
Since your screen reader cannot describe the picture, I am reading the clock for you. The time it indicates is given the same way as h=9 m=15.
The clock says h=3 m=58
